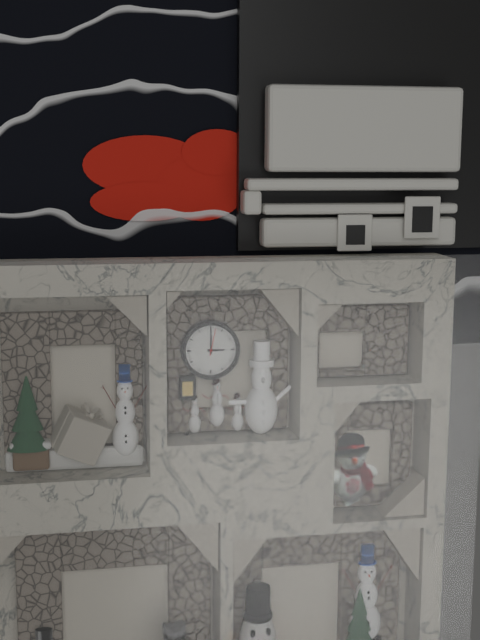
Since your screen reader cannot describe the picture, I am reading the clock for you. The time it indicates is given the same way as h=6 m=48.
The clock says h=3 m=0
